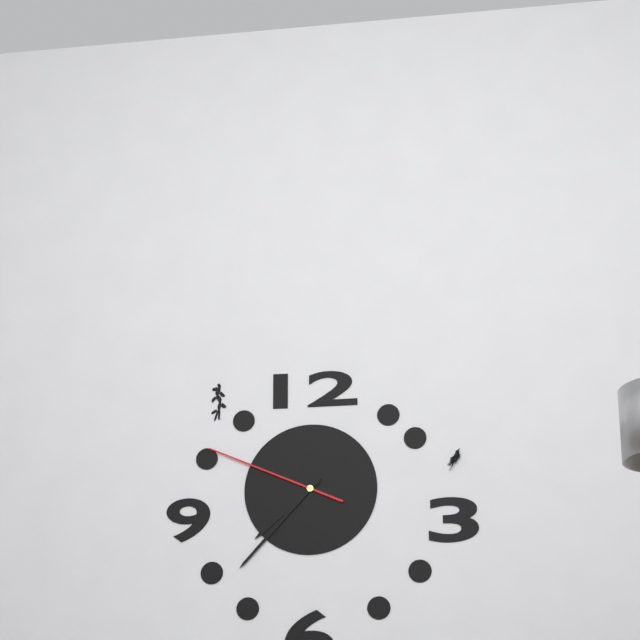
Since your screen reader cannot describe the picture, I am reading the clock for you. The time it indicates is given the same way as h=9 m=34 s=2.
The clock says h=7 m=37 s=49
